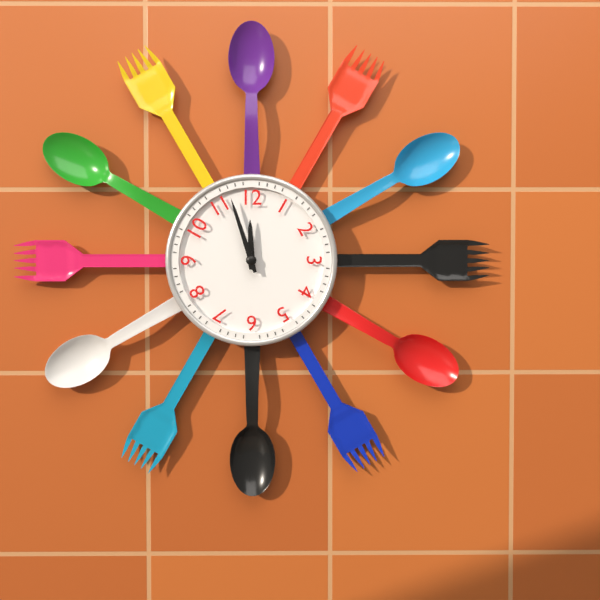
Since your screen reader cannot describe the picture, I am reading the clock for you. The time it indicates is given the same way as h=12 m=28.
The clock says h=11 m=57
